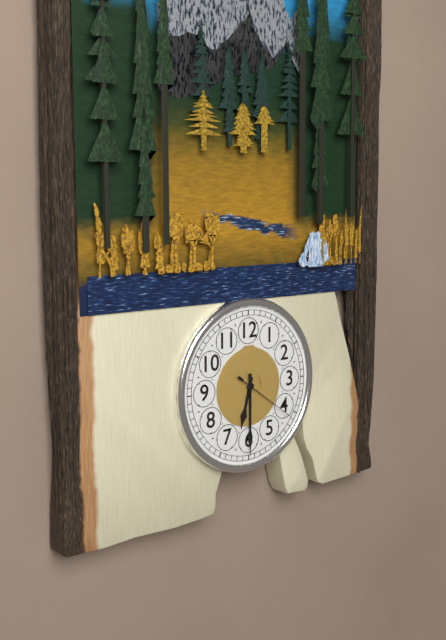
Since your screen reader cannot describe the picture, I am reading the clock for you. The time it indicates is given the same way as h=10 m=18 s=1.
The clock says h=6 m=30 s=21
